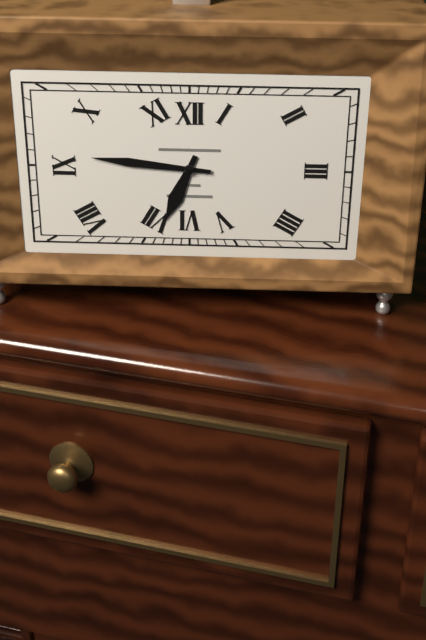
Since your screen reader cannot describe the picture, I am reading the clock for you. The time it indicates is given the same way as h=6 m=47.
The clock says h=6 m=46
